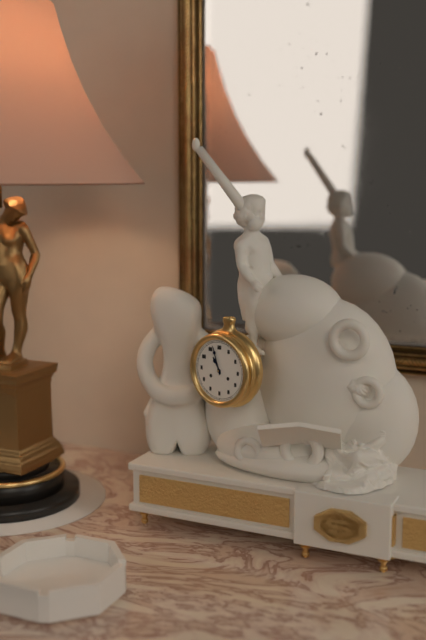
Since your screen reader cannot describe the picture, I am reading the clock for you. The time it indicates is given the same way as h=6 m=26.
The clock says h=10 m=57
